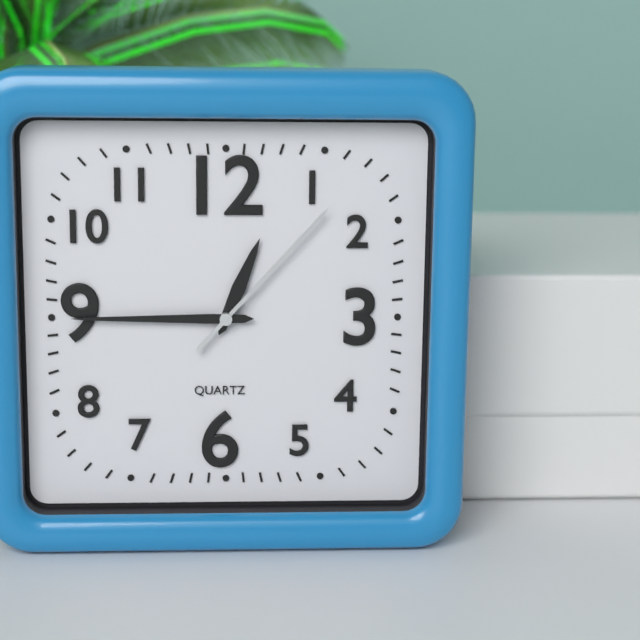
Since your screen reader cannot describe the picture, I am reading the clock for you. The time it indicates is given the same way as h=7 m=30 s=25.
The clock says h=12 m=45 s=7
